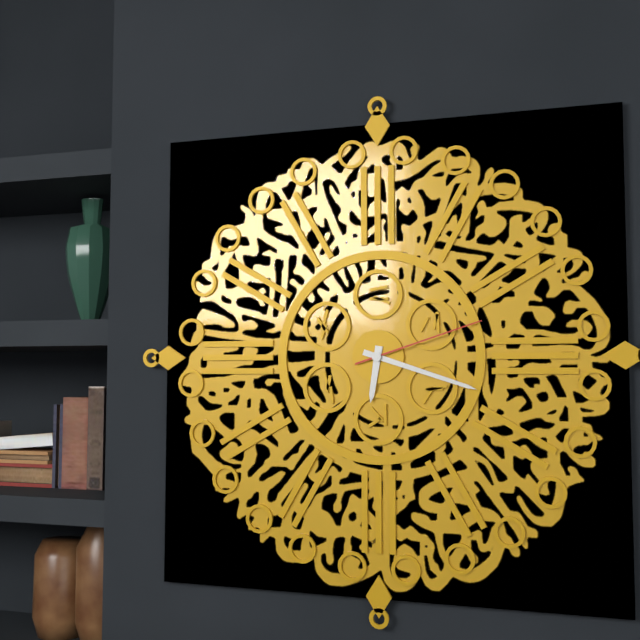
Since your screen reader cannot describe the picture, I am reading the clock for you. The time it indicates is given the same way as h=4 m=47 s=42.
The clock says h=6 m=18 s=12
